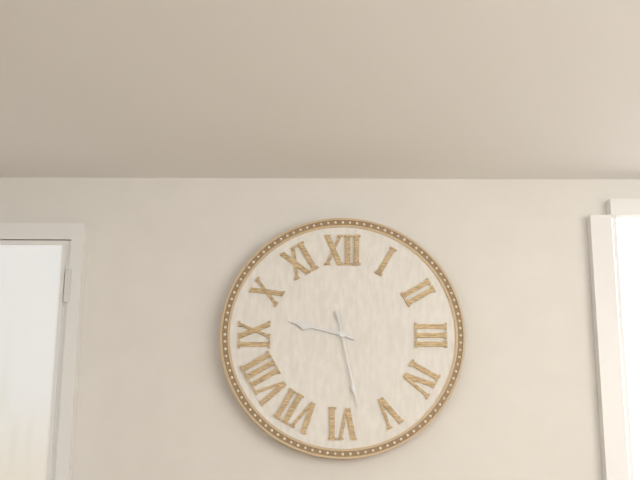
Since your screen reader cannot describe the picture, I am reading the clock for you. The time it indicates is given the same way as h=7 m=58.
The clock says h=9 m=28
